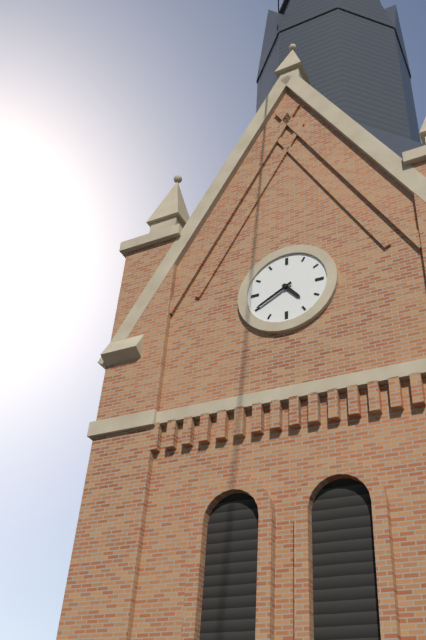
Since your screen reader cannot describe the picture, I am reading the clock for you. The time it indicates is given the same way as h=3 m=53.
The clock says h=4 m=40
